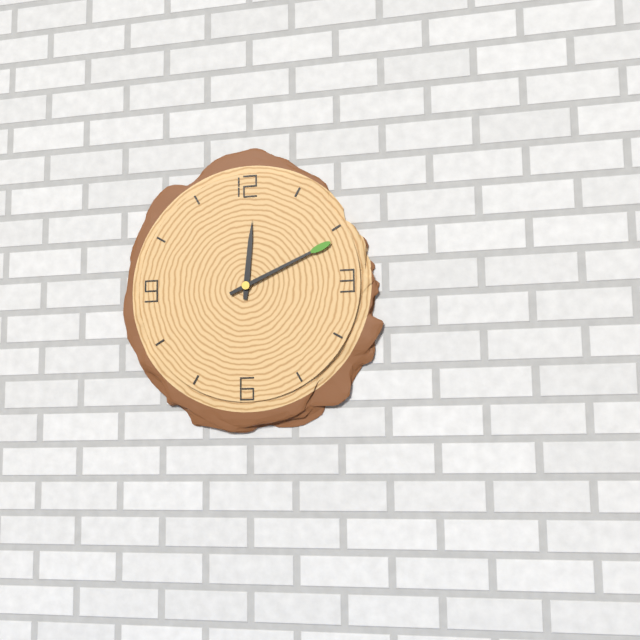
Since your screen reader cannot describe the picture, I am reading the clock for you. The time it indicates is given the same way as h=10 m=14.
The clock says h=12 m=11
